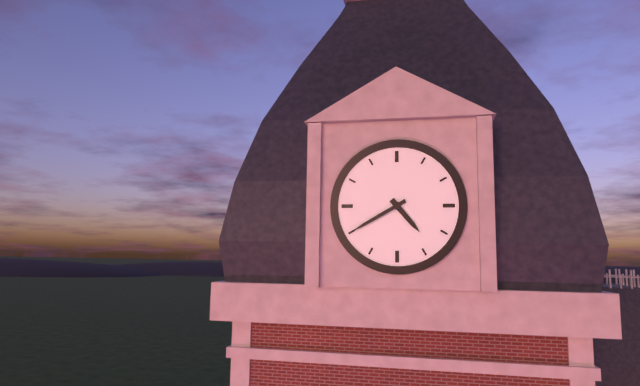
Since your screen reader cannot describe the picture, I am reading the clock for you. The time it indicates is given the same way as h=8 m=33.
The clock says h=4 m=40
